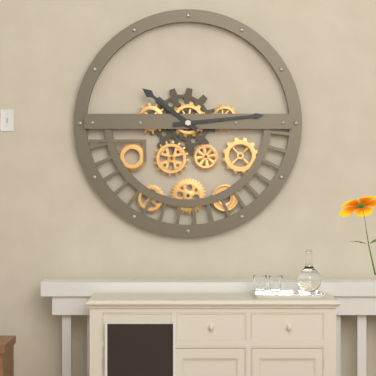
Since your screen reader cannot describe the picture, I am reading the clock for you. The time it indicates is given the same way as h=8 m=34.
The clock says h=10 m=14
